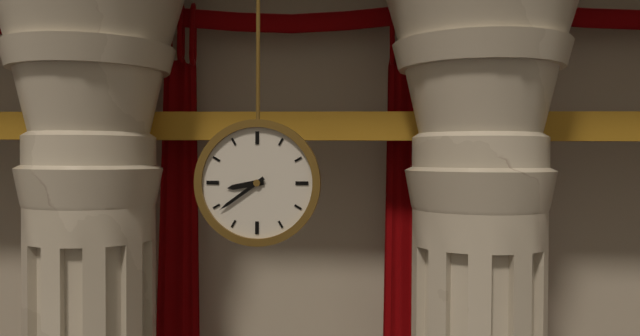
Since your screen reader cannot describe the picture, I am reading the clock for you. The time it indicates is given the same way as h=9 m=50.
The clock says h=8 m=39
